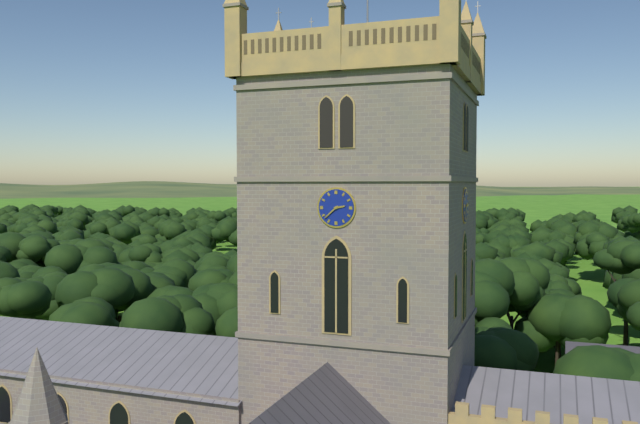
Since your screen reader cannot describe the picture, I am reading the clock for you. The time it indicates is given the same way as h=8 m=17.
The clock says h=2 m=38
